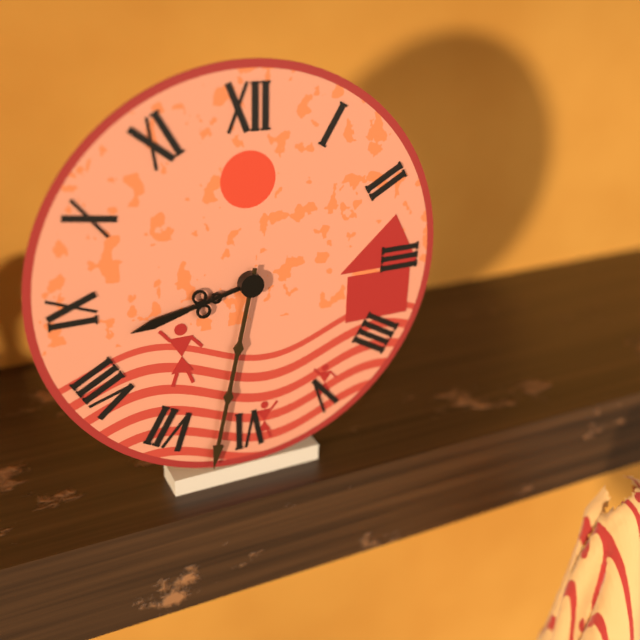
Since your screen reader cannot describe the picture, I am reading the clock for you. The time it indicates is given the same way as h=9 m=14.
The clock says h=8 m=32
